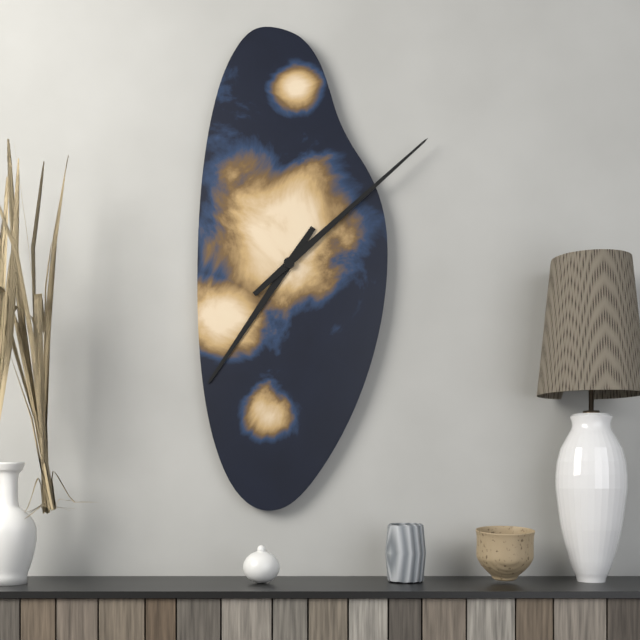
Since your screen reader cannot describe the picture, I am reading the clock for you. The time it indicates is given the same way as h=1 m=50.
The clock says h=7 m=8
